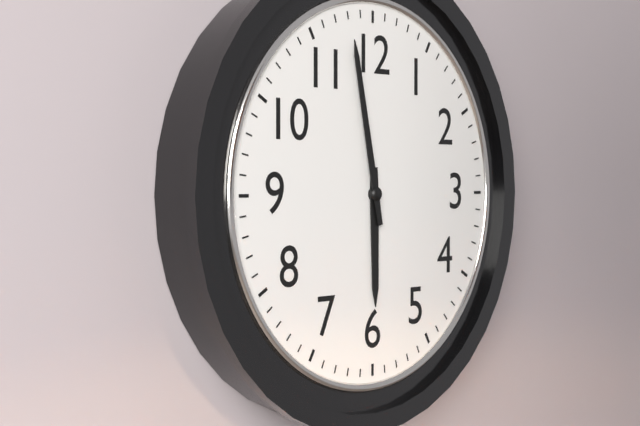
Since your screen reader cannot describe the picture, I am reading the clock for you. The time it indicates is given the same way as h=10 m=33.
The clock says h=5 m=58
